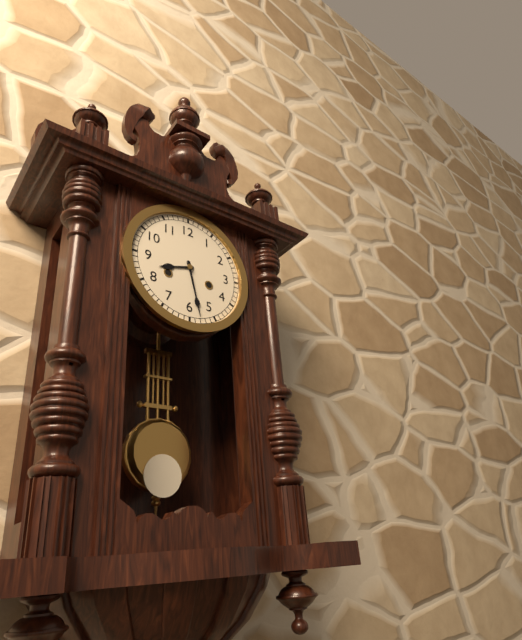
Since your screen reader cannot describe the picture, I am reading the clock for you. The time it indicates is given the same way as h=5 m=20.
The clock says h=8 m=28
